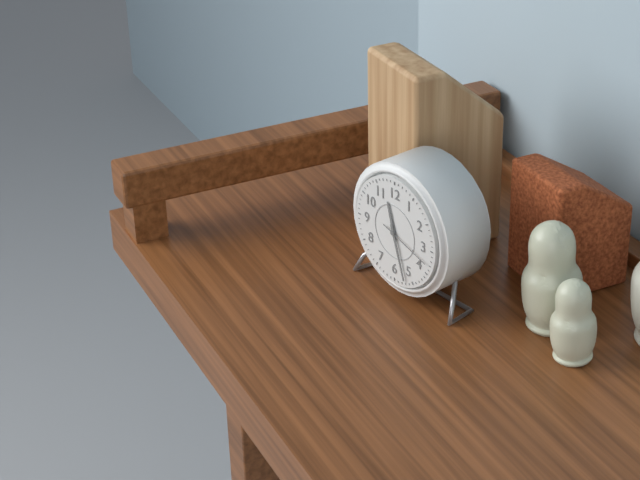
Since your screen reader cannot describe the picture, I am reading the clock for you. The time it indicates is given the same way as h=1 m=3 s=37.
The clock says h=11 m=27 s=18
